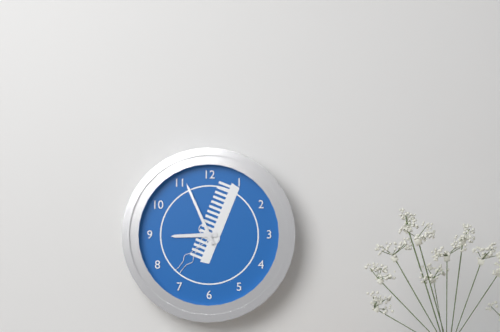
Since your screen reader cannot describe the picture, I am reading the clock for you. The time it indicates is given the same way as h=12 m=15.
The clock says h=8 m=56
